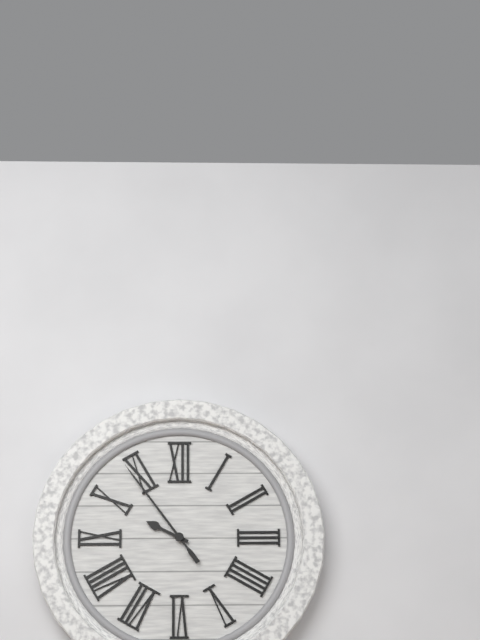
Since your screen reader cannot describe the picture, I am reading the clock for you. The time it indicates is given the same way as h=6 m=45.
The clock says h=9 m=54
